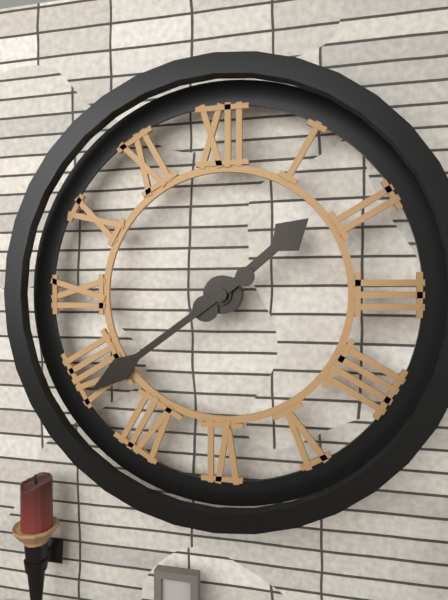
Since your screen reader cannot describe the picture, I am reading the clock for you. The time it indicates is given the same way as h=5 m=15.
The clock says h=1 m=39
